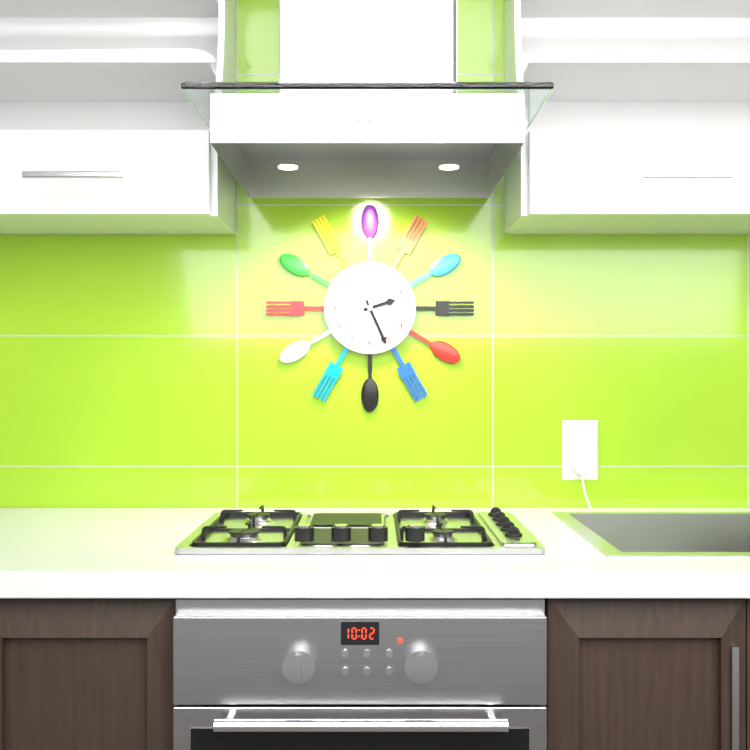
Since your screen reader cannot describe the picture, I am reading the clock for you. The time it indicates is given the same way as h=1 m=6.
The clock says h=2 m=26
